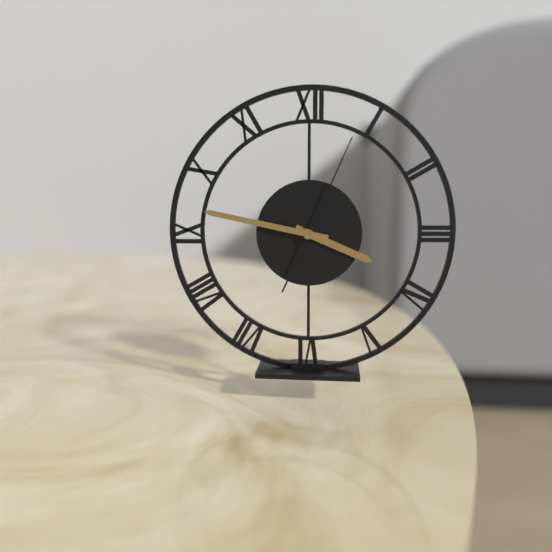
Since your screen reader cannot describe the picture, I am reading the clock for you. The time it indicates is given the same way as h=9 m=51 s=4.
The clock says h=3 m=47 s=4
